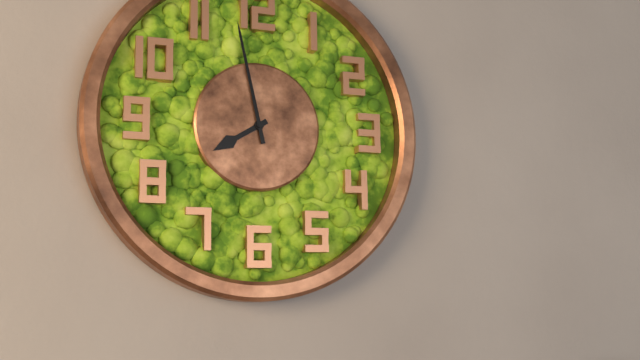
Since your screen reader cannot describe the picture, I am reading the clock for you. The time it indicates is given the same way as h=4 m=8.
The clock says h=7 m=58
